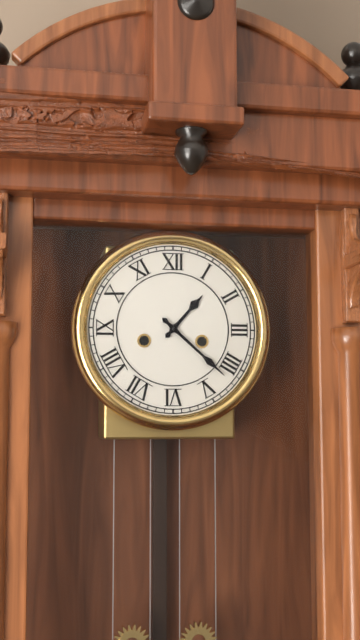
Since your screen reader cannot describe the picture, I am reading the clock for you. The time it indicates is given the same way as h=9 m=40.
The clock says h=1 m=22
